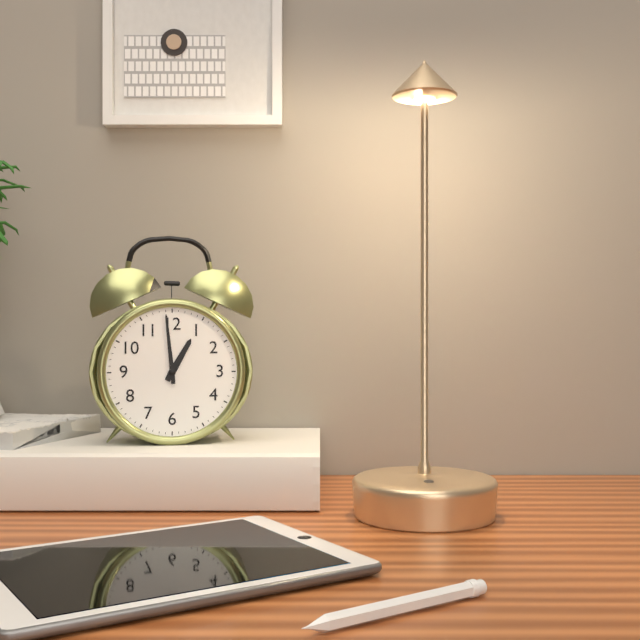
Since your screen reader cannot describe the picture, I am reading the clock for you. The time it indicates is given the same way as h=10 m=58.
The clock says h=12 m=59
